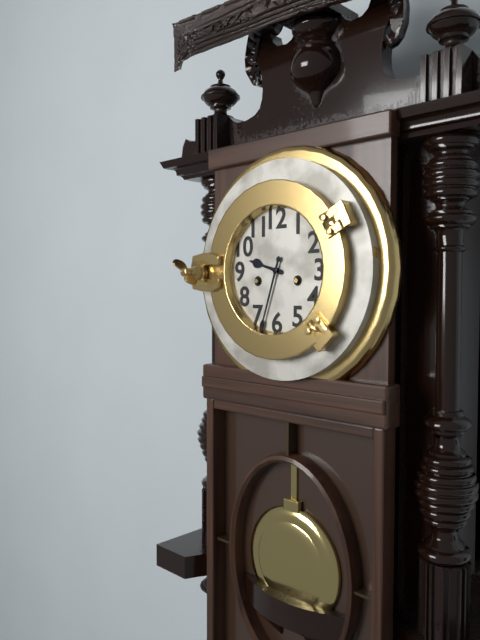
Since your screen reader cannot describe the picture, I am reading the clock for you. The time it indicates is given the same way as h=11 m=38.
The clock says h=9 m=33
